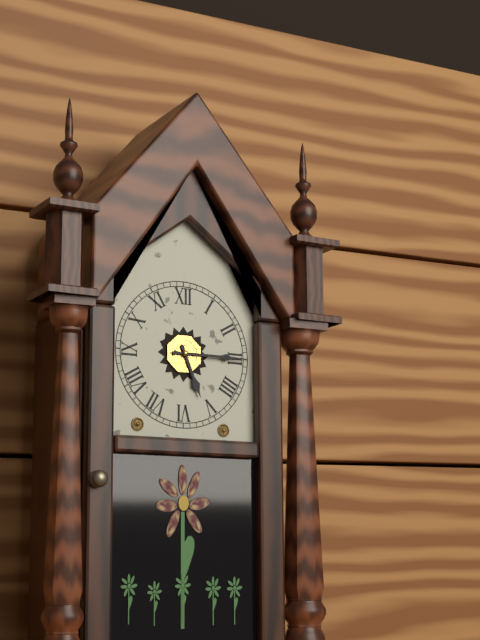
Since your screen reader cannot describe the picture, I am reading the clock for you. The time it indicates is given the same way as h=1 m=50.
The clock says h=5 m=15
